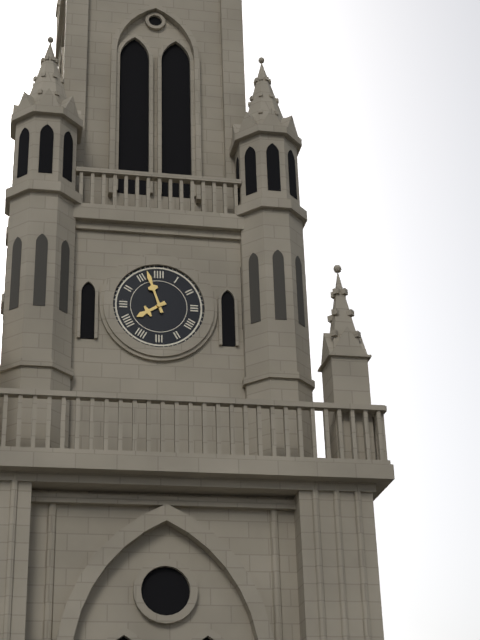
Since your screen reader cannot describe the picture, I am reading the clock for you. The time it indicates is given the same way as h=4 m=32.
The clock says h=7 m=57
